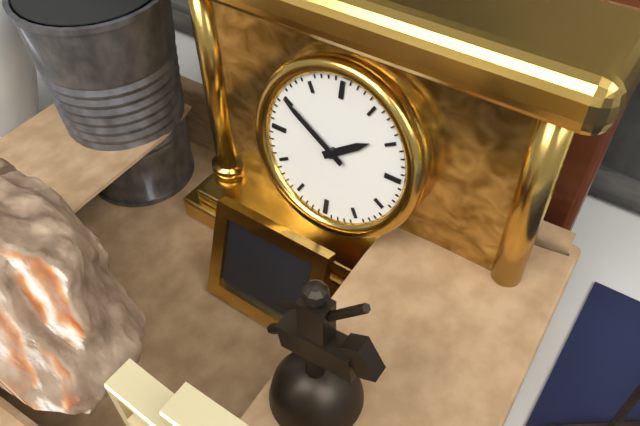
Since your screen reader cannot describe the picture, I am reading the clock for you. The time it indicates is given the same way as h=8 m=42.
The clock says h=1 m=50
